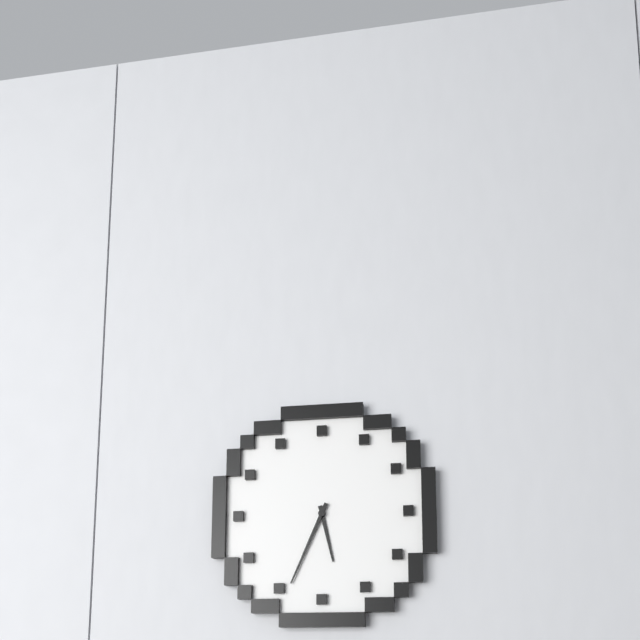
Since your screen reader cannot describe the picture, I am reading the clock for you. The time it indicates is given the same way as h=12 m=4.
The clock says h=5 m=34
